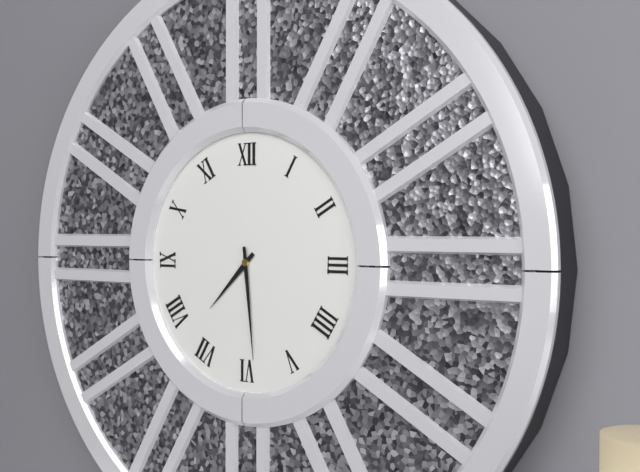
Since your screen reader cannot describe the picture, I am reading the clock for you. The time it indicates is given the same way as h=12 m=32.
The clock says h=7 m=29
